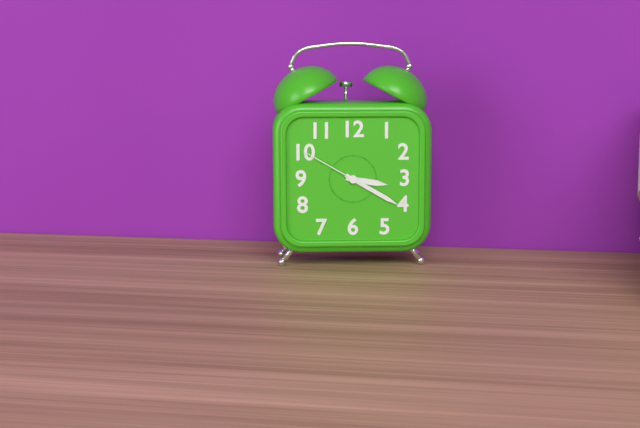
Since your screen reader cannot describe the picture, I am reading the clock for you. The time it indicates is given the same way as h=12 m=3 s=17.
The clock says h=3 m=20 s=50
